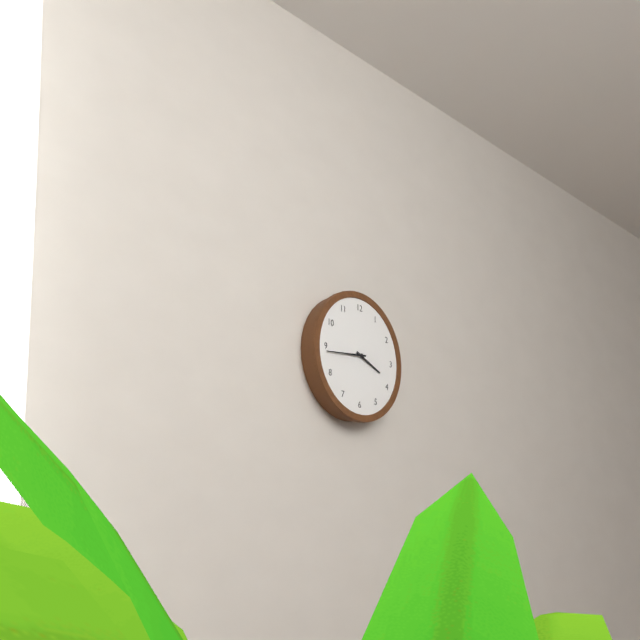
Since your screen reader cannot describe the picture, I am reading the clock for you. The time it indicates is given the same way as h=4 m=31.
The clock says h=3 m=44
